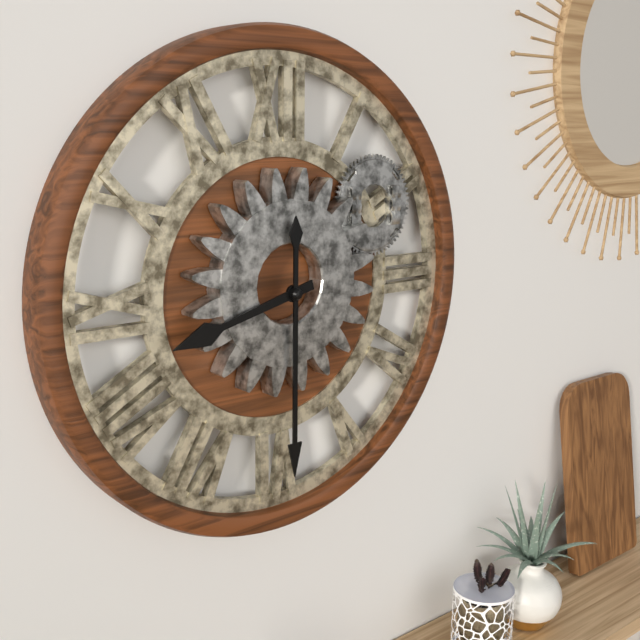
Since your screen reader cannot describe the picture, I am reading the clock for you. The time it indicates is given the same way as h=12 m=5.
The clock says h=8 m=30
